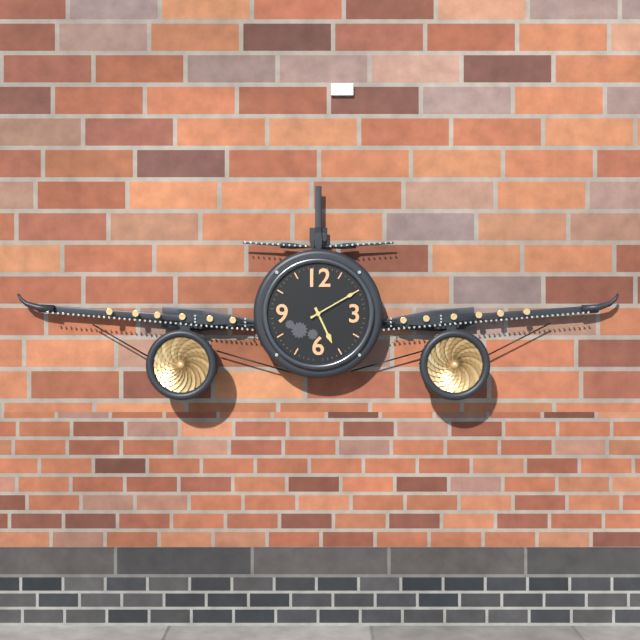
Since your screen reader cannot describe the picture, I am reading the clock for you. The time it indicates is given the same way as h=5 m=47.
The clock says h=5 m=10
